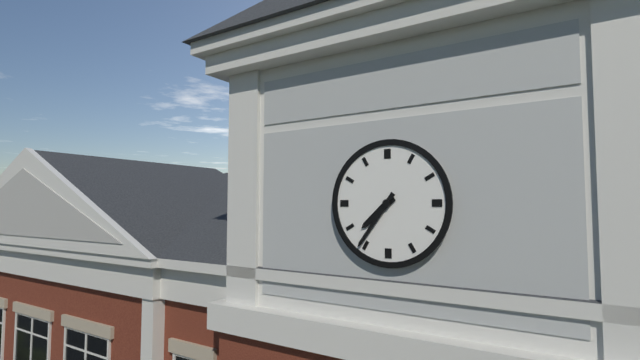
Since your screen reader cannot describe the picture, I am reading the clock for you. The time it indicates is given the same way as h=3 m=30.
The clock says h=7 m=36
